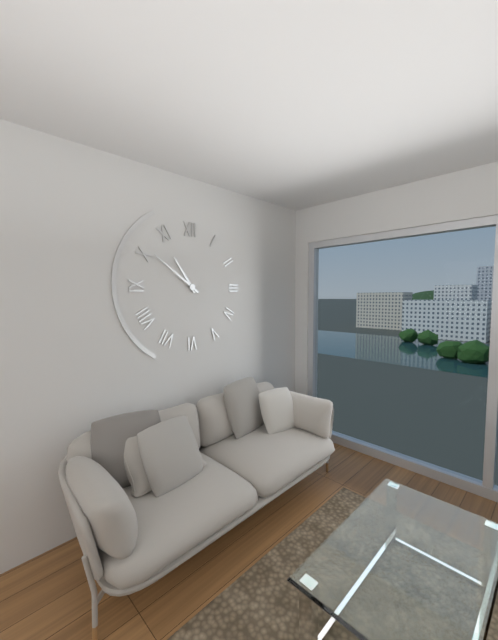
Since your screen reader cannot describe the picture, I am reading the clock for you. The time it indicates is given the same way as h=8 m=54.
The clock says h=10 m=51
